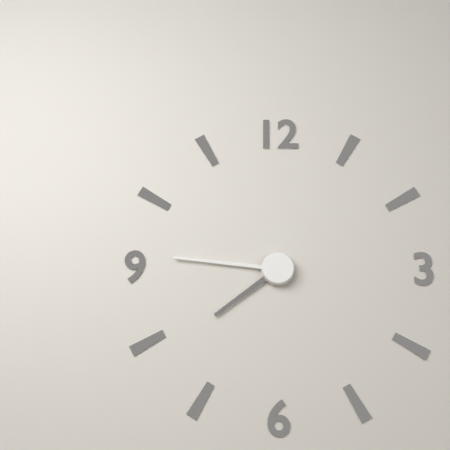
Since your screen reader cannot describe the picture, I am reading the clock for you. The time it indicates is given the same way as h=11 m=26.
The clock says h=7 m=46
